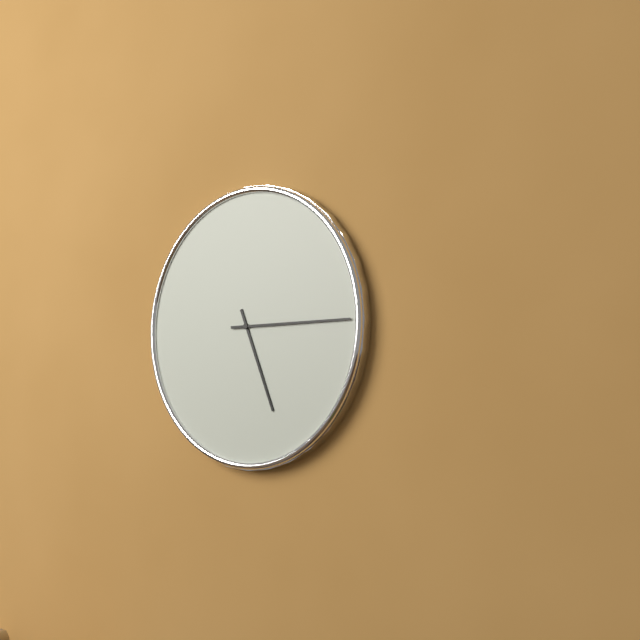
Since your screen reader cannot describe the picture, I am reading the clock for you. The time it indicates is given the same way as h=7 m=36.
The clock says h=5 m=15
